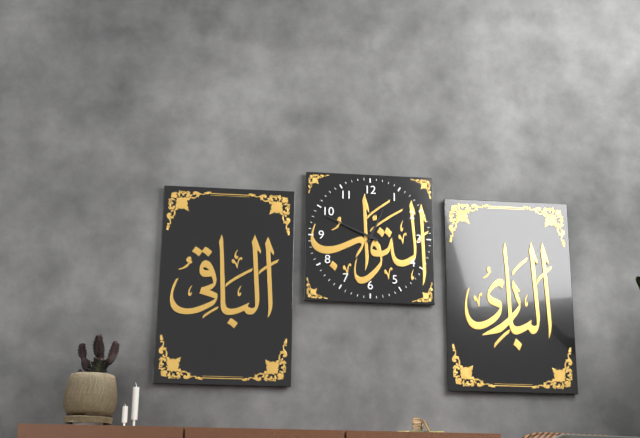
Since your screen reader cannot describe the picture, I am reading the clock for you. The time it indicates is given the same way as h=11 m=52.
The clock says h=12 m=49
